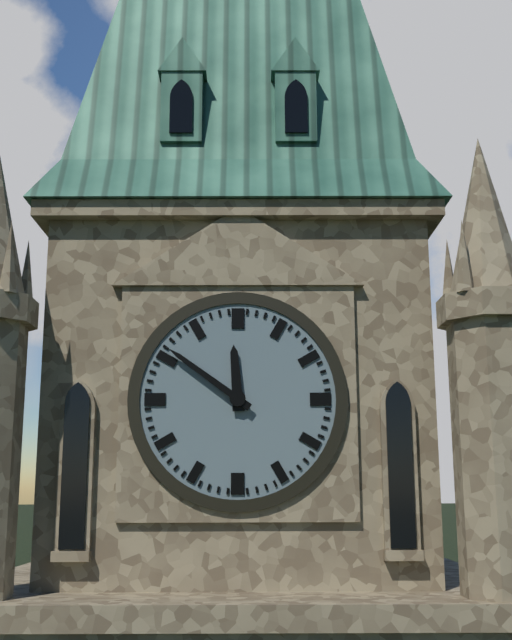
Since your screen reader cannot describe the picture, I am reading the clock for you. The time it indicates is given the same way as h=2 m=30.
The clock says h=11 m=51
